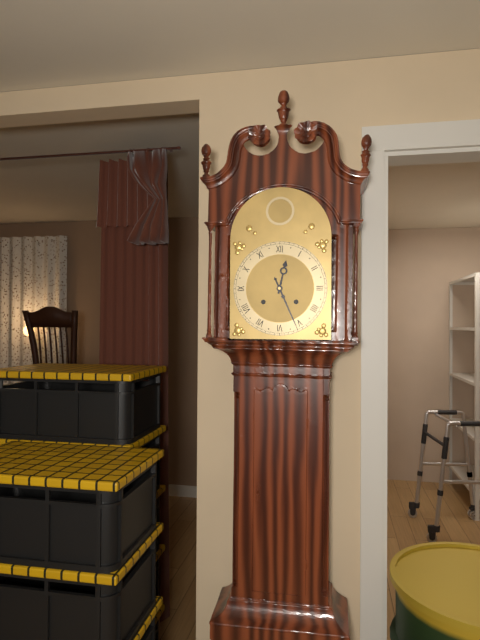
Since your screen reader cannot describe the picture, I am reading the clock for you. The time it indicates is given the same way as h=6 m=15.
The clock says h=12 m=26
